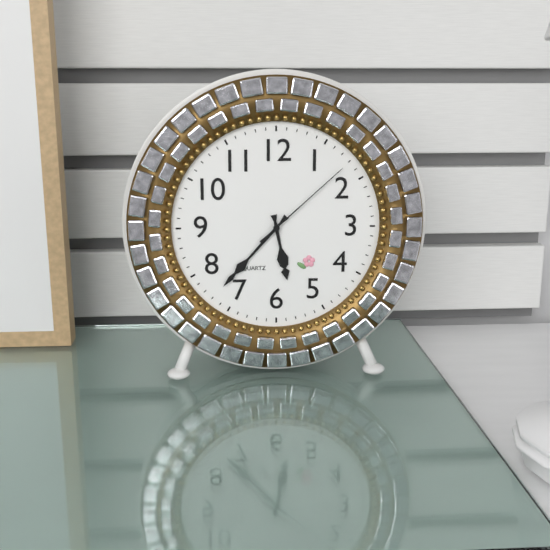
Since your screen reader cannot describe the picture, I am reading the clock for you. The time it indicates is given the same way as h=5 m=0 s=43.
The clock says h=5 m=37 s=8
